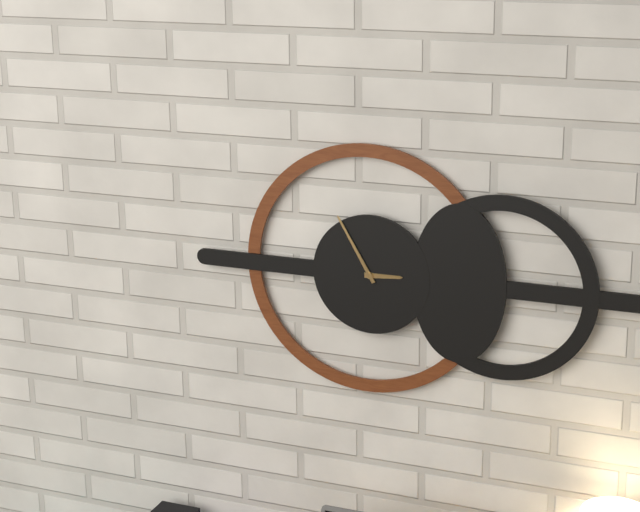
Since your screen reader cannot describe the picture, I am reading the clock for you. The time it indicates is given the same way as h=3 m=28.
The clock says h=2 m=55
